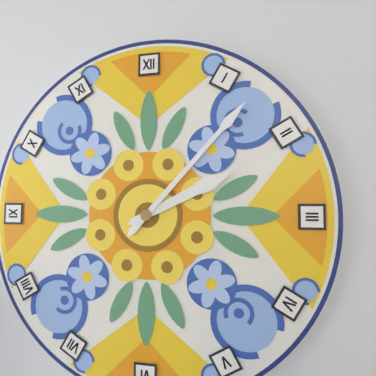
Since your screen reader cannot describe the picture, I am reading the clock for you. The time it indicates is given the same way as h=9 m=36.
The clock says h=2 m=7
